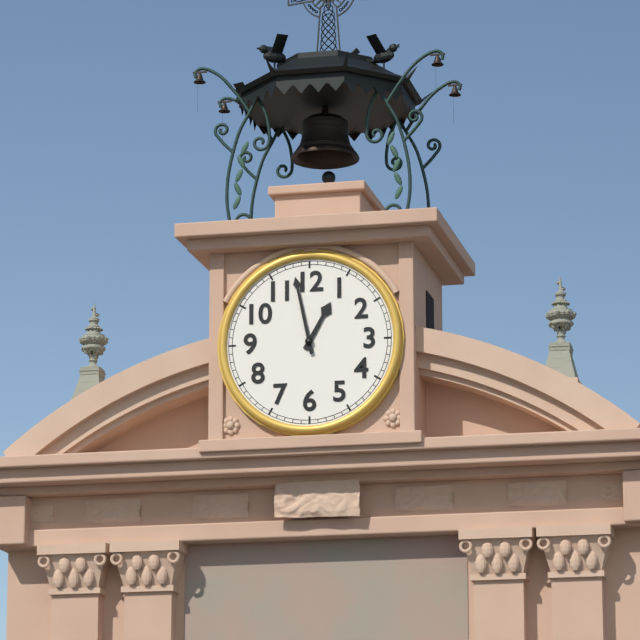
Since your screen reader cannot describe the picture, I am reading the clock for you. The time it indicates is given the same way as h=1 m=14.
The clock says h=12 m=58
